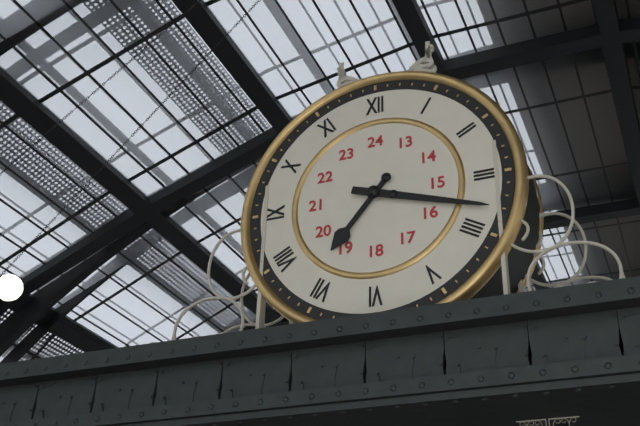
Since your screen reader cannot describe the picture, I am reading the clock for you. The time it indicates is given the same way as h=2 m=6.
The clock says h=7 m=18
